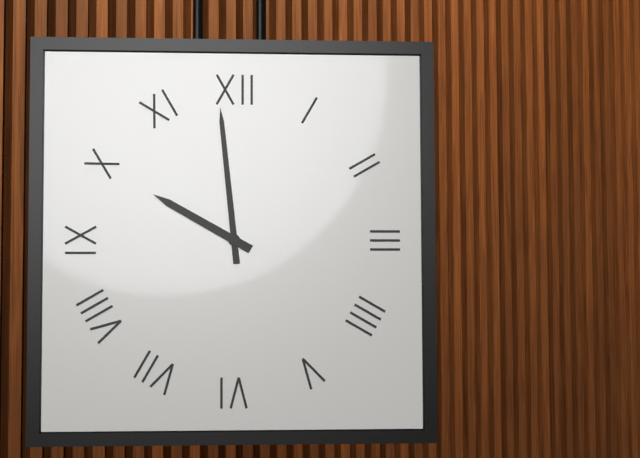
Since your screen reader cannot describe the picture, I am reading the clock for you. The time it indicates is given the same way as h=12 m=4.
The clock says h=9 m=59
